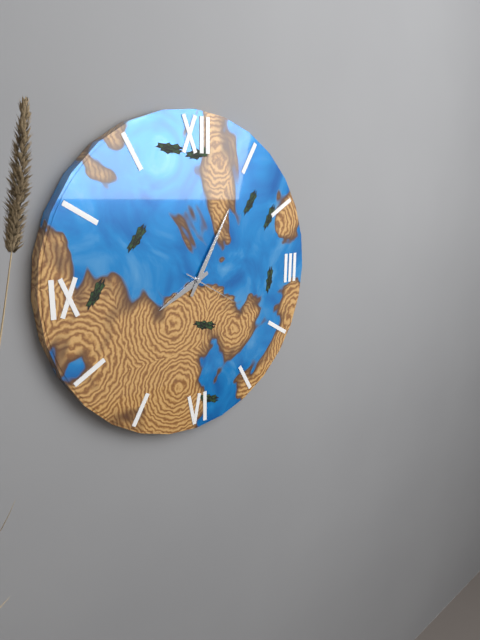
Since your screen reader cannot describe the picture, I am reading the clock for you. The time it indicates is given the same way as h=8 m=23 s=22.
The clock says h=8 m=5 s=20
